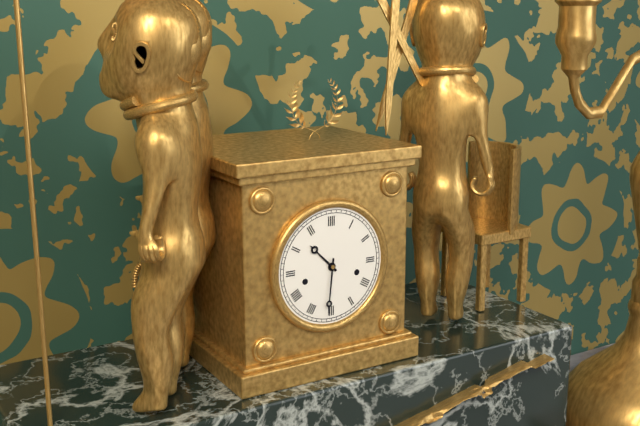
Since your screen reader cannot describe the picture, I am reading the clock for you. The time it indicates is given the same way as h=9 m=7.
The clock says h=10 m=31
